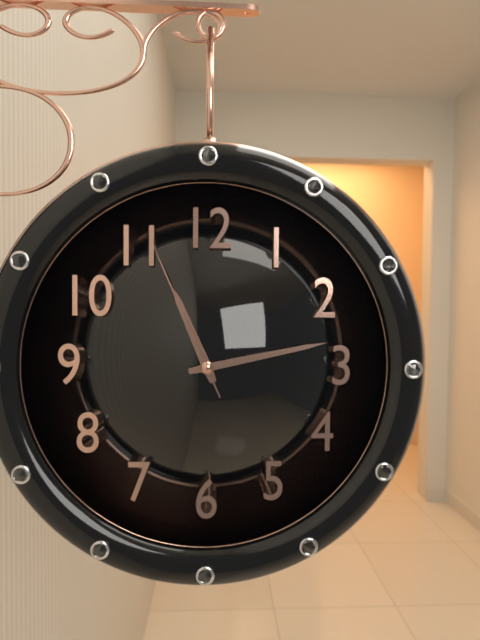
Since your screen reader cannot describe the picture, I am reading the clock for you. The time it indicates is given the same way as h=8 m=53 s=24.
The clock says h=11 m=13 s=56
